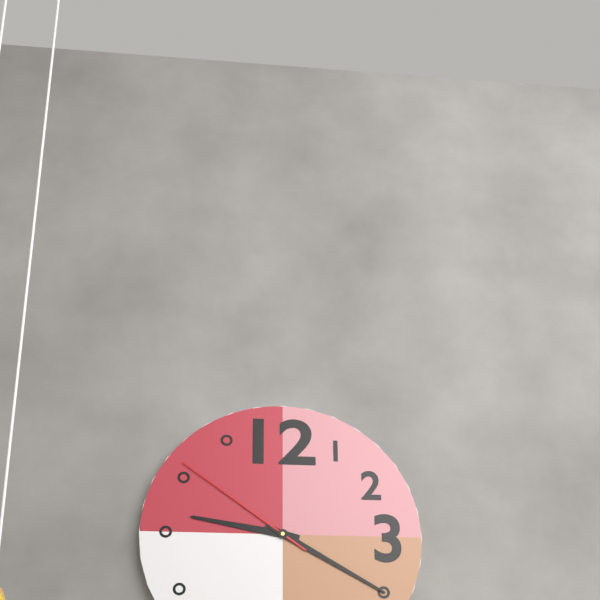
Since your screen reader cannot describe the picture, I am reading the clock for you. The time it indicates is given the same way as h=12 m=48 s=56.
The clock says h=9 m=20 s=51
